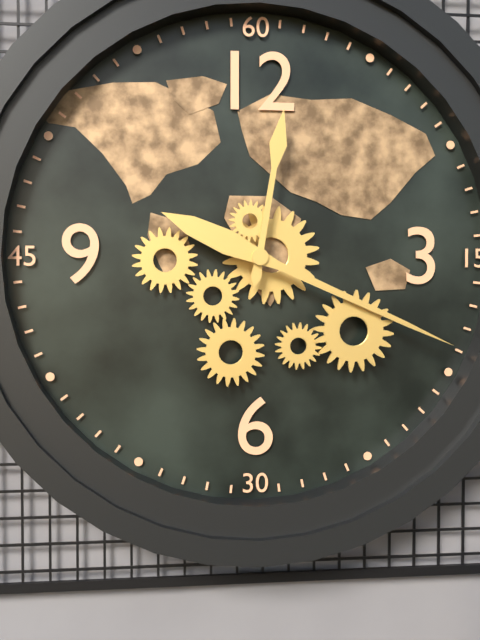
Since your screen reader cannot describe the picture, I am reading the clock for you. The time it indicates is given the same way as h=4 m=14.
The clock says h=12 m=19
